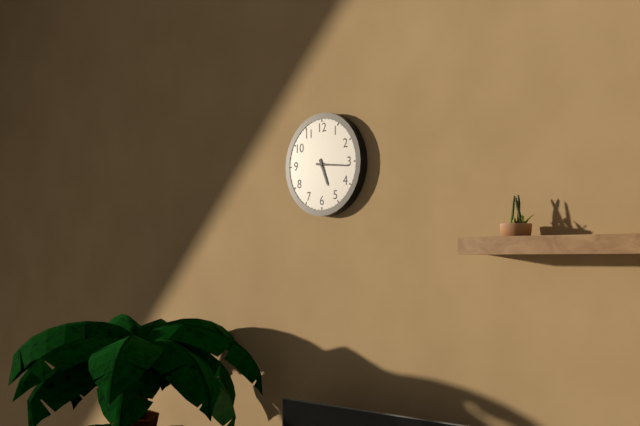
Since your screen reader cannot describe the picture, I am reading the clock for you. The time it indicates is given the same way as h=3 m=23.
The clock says h=5 m=16
